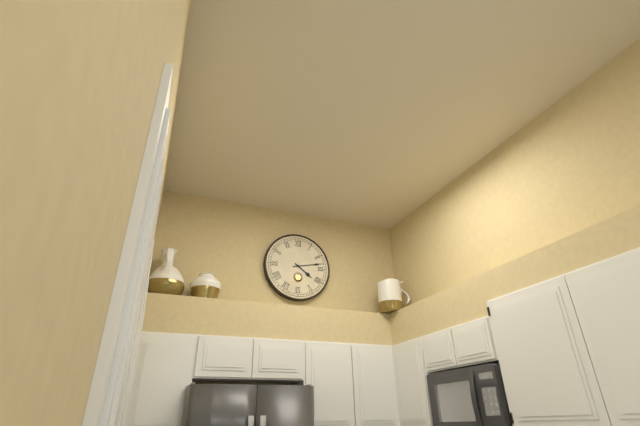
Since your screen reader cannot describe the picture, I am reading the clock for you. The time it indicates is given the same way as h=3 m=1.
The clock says h=4 m=13
